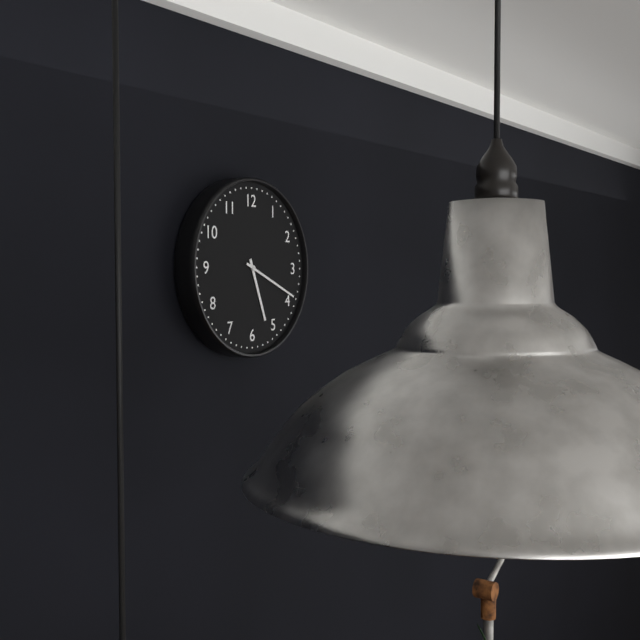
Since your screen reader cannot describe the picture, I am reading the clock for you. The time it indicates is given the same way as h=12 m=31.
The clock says h=5 m=19
